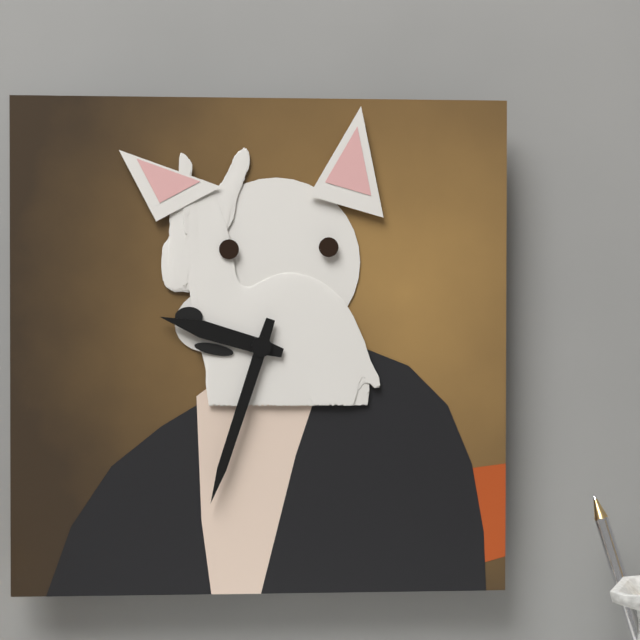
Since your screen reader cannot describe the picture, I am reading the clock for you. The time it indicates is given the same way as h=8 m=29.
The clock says h=9 m=33
